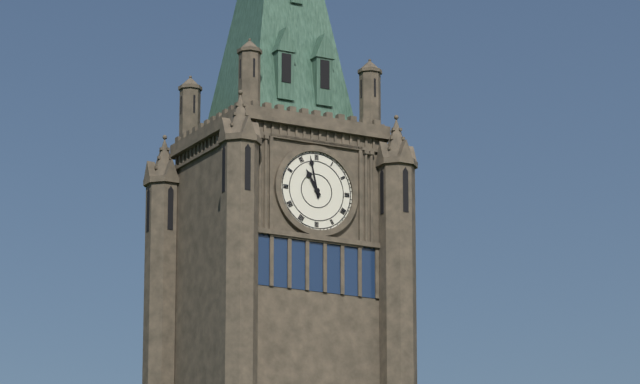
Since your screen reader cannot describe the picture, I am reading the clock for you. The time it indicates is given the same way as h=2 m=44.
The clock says h=10 m=58
